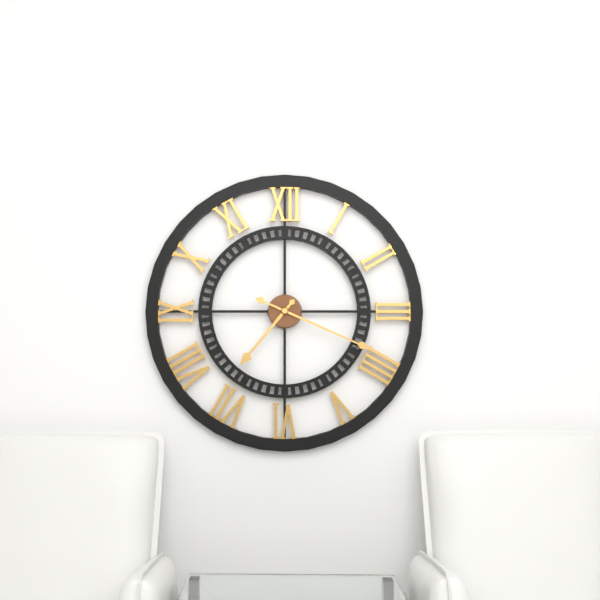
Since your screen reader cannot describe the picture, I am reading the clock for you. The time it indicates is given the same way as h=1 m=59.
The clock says h=7 m=19
